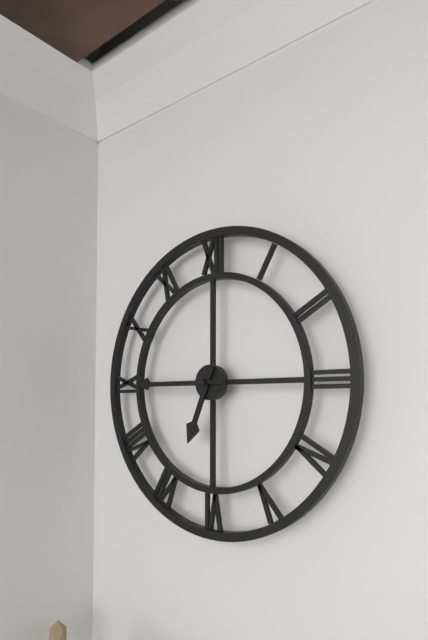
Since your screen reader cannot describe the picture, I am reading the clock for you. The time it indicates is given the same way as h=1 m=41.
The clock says h=6 m=45
